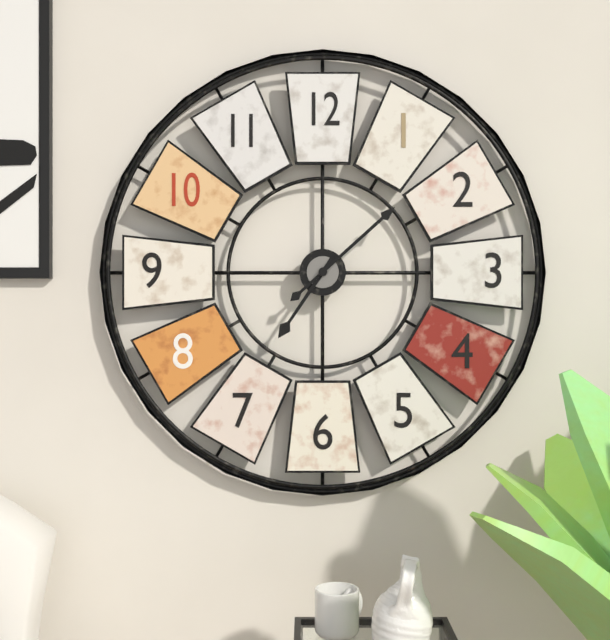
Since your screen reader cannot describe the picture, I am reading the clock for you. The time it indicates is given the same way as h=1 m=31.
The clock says h=7 m=8
